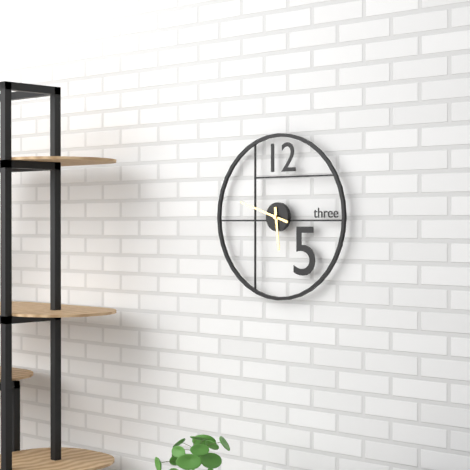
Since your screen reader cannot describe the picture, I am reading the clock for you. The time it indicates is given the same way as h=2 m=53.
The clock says h=5 m=48
